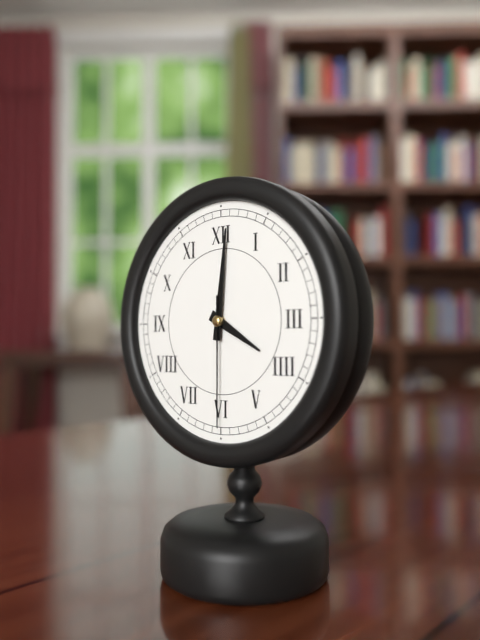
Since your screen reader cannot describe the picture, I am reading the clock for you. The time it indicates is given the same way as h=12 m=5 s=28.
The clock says h=4 m=1 s=30
